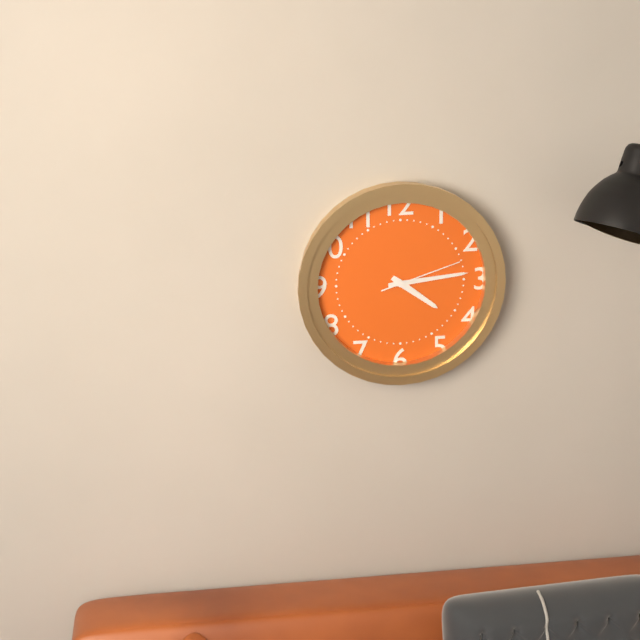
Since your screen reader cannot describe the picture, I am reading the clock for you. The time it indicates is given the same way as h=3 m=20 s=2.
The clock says h=4 m=14 s=12
